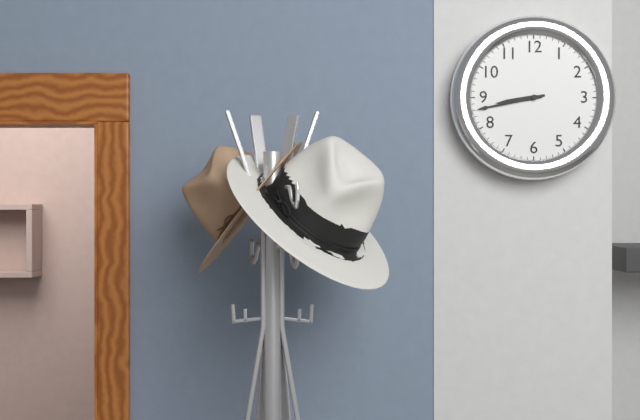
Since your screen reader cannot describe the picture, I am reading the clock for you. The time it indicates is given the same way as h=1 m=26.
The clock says h=8 m=43
